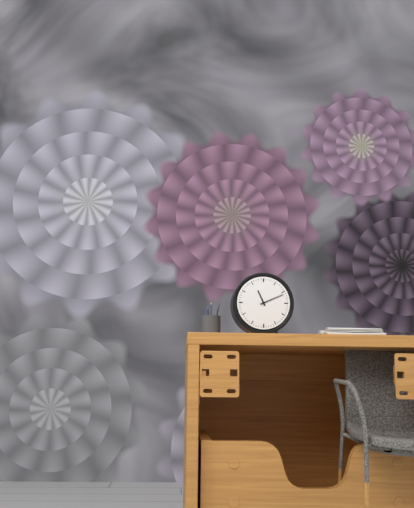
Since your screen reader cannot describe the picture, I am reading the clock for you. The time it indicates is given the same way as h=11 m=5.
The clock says h=11 m=11
